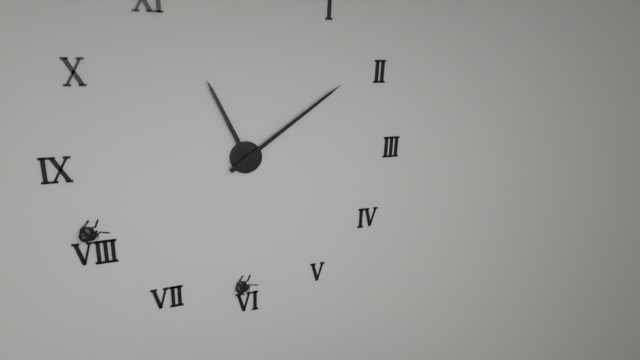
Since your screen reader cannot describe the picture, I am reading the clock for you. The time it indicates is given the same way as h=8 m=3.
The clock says h=11 m=9
